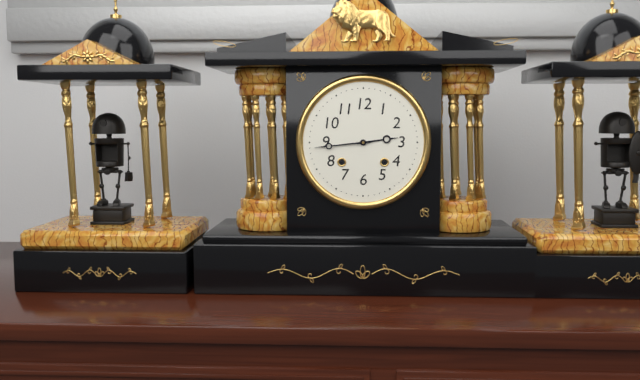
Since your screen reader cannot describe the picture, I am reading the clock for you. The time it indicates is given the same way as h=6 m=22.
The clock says h=2 m=44
